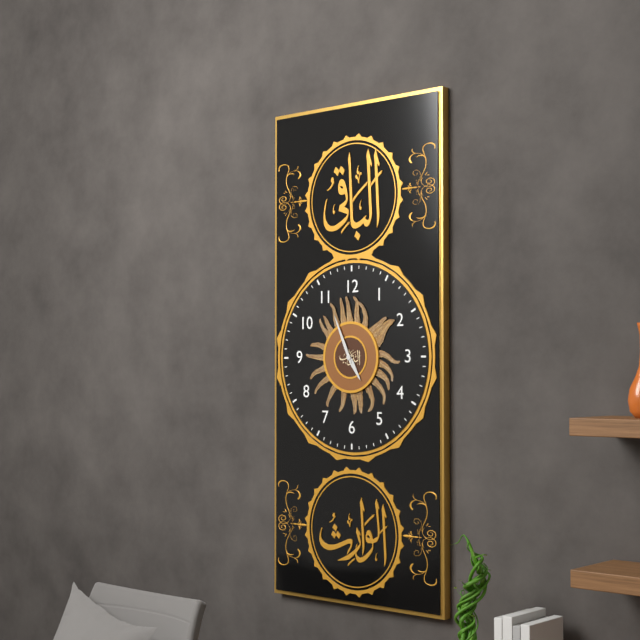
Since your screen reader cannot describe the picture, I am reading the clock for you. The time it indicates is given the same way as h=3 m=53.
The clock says h=4 m=56
